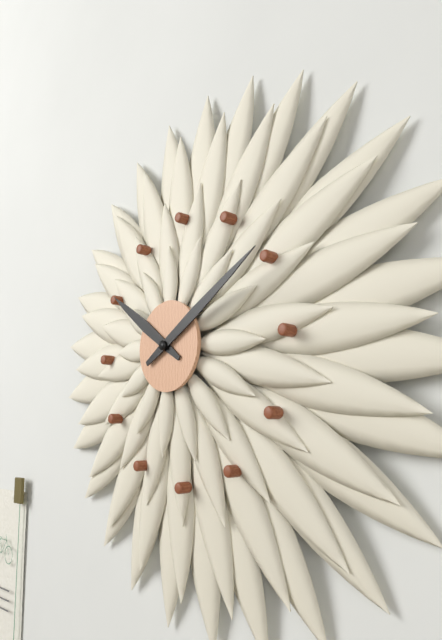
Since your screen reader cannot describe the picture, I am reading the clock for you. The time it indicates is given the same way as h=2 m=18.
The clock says h=10 m=10
